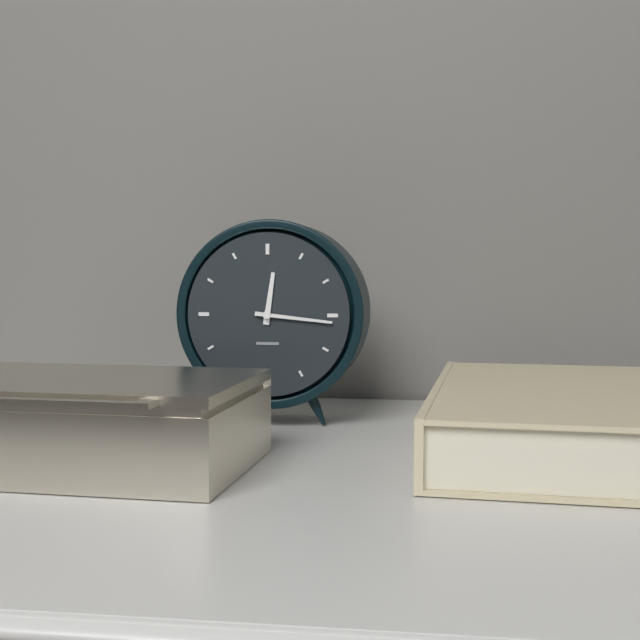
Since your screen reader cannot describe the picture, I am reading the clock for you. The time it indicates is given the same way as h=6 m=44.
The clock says h=12 m=16
